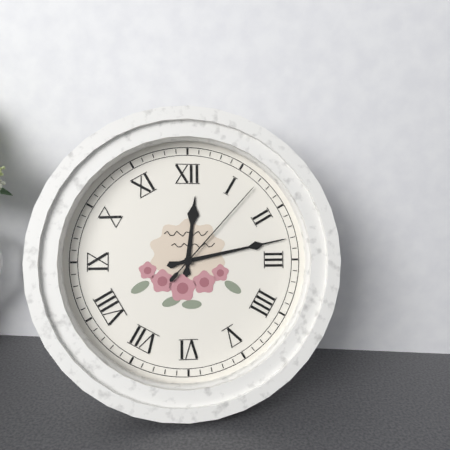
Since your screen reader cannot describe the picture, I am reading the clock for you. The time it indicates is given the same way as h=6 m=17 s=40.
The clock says h=12 m=13 s=7
